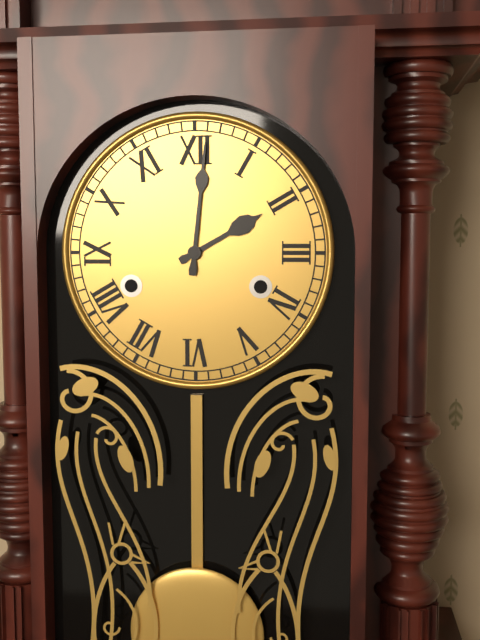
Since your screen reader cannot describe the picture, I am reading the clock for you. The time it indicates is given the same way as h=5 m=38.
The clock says h=2 m=1
